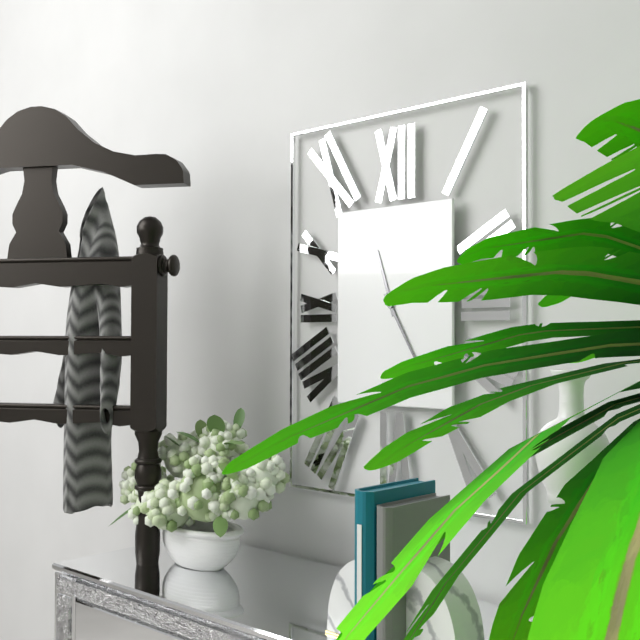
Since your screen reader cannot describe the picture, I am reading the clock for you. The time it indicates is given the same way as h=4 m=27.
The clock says h=11 m=25
